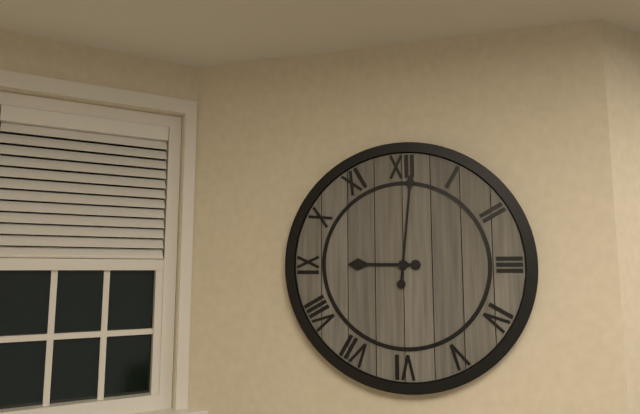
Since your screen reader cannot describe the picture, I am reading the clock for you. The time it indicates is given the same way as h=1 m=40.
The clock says h=9 m=1
